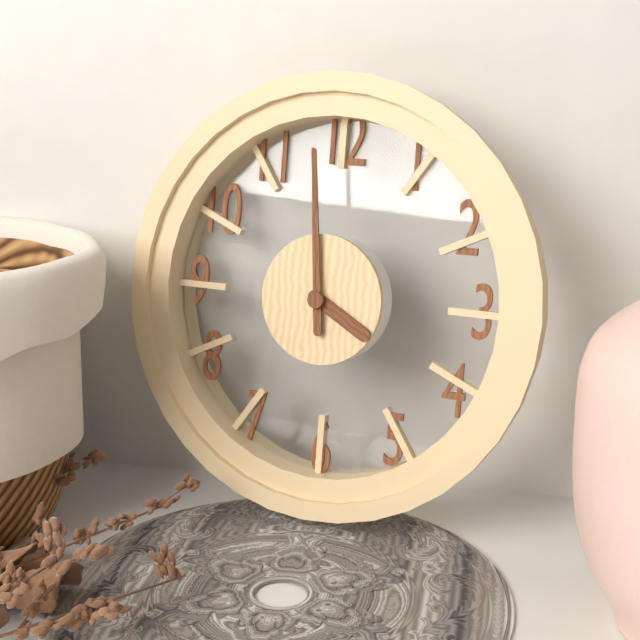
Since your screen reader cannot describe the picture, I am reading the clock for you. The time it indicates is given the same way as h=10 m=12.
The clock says h=3 m=59
